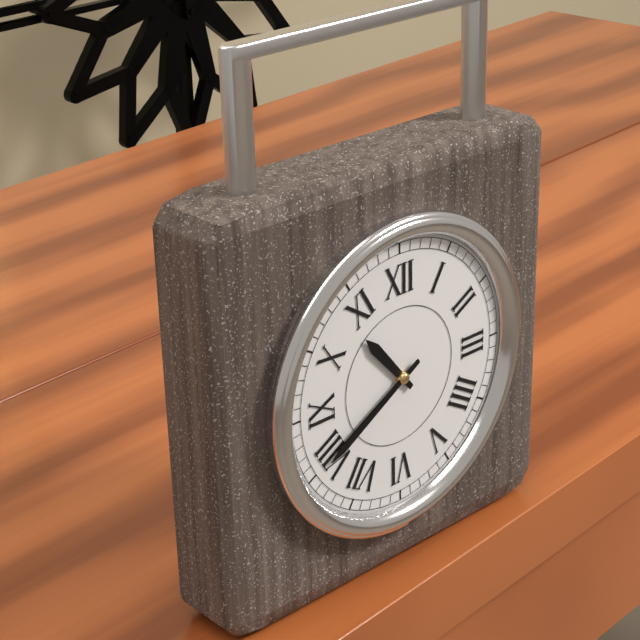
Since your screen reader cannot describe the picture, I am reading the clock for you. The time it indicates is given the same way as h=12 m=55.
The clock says h=10 m=40
